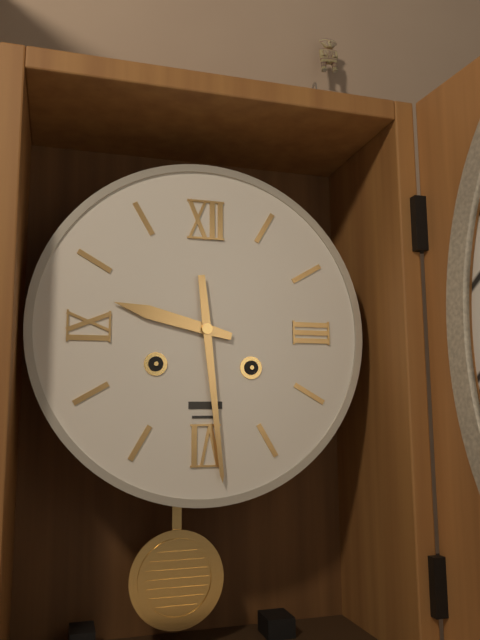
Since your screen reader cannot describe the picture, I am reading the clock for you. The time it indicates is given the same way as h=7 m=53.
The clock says h=9 m=29
